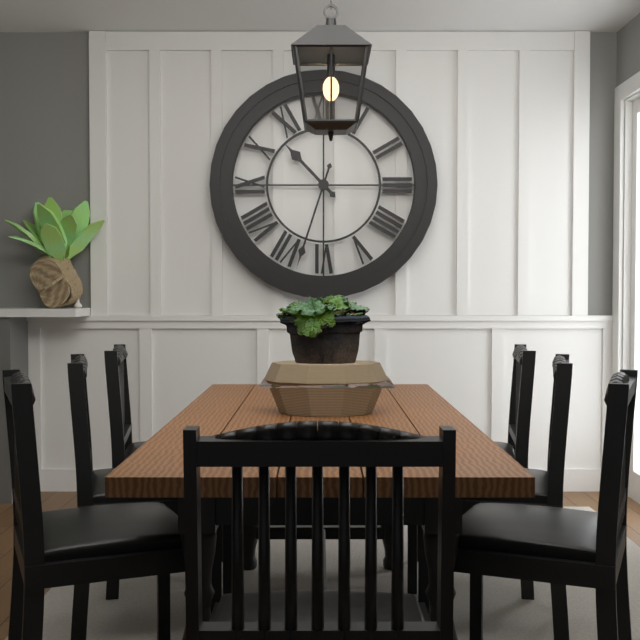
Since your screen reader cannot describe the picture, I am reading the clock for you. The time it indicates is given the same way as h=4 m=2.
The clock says h=10 m=33
